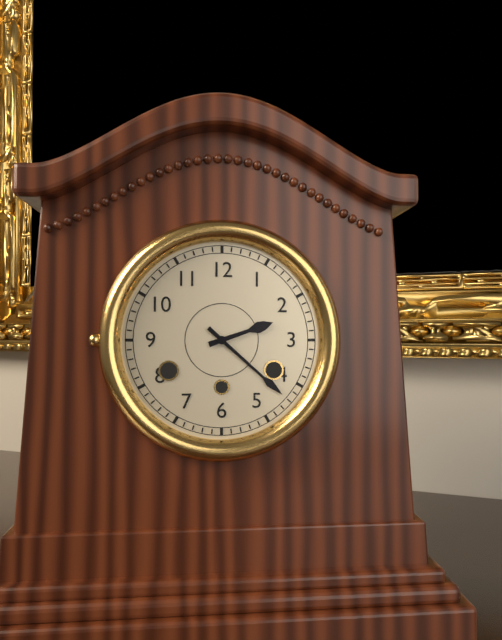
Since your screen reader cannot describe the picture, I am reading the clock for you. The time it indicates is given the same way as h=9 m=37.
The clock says h=2 m=22
